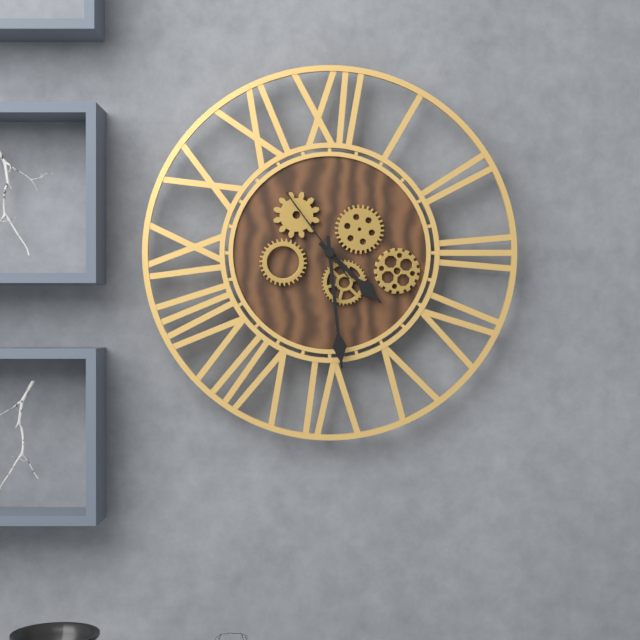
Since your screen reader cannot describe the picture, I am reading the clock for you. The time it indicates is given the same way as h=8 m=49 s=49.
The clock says h=4 m=29 s=54
